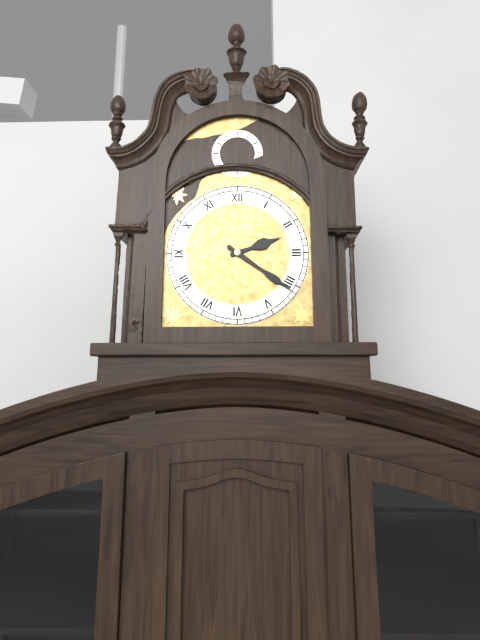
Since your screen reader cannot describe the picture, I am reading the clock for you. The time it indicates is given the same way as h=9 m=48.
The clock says h=2 m=21
